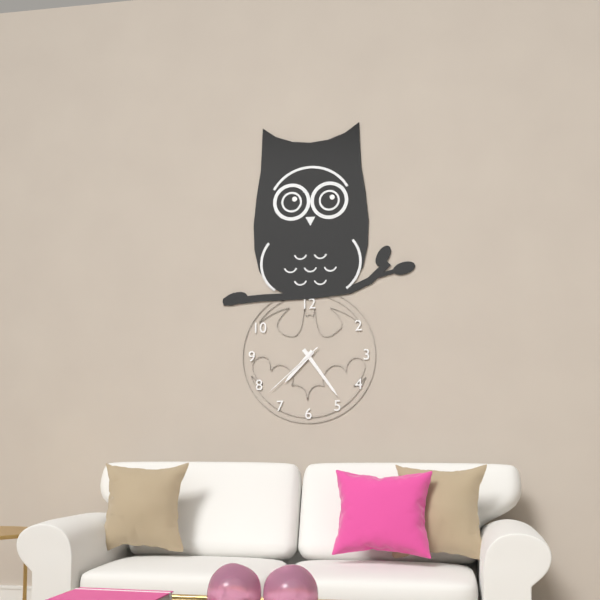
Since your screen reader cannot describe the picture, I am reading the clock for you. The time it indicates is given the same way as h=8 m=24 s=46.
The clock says h=7 m=24 s=38
